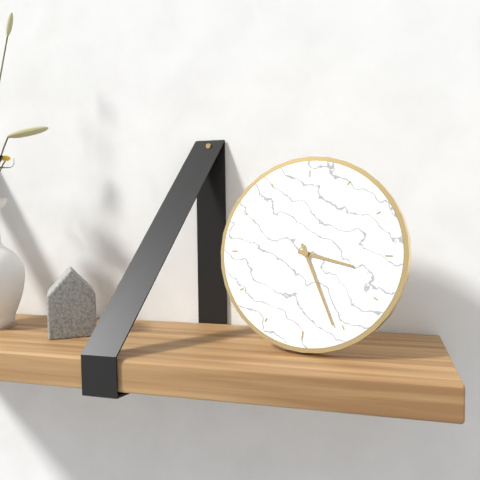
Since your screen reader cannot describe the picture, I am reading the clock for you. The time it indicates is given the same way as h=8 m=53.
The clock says h=3 m=26
